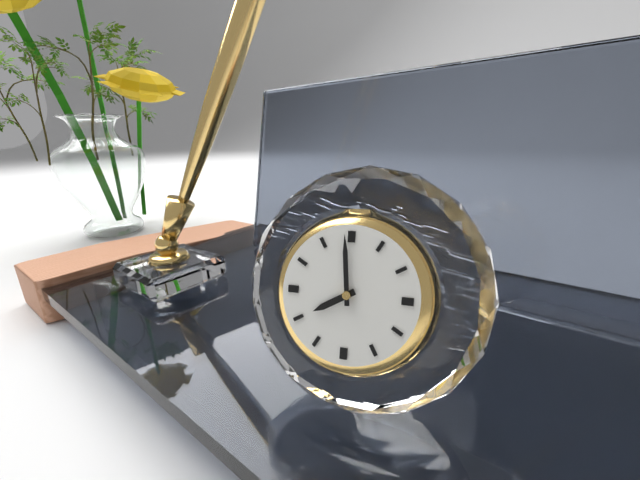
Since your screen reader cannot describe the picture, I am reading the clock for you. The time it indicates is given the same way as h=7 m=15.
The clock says h=7 m=59
